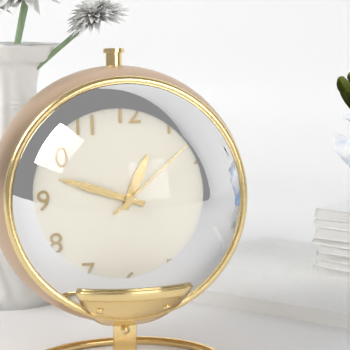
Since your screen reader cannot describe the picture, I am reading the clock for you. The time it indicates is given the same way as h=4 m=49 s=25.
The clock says h=12 m=48 s=8
